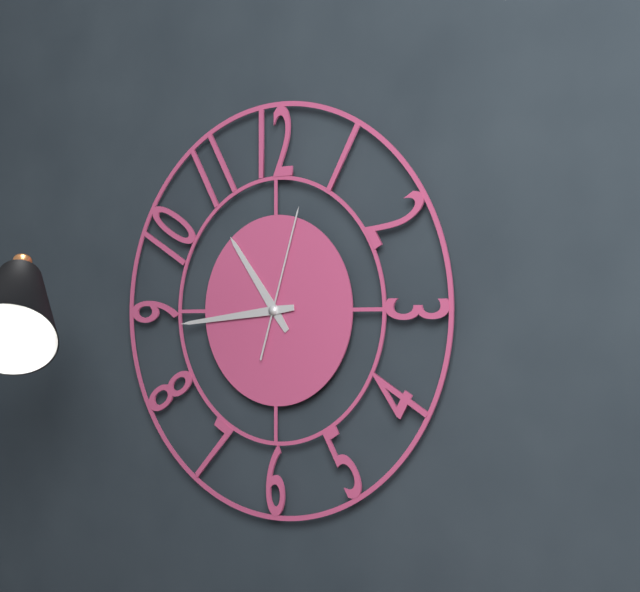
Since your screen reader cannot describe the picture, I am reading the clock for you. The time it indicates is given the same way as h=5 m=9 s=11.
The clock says h=10 m=44 s=3
